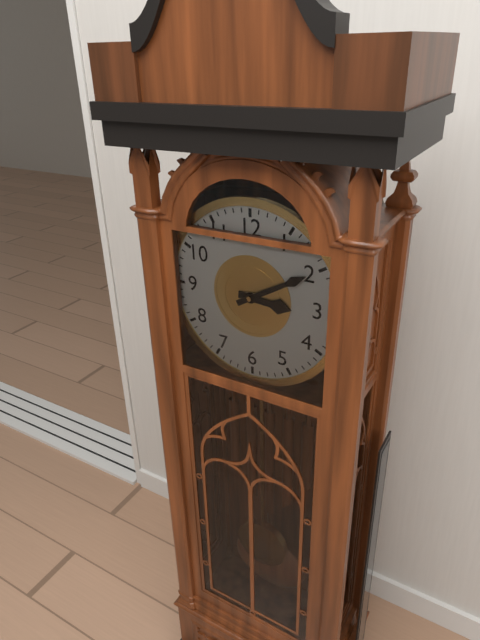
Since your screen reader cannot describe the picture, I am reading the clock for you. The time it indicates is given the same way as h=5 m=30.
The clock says h=3 m=10
